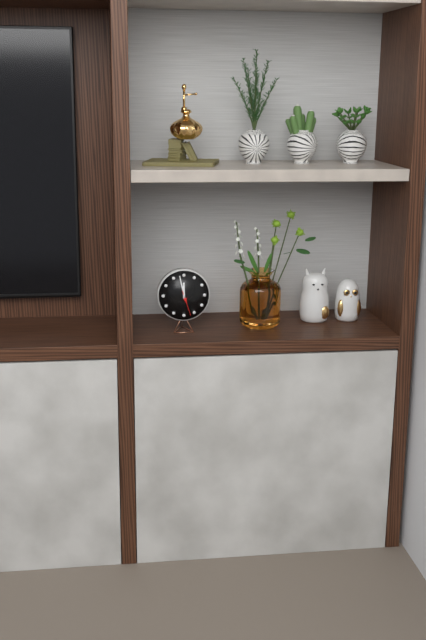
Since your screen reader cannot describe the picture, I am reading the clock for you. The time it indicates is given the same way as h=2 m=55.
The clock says h=11 m=58
